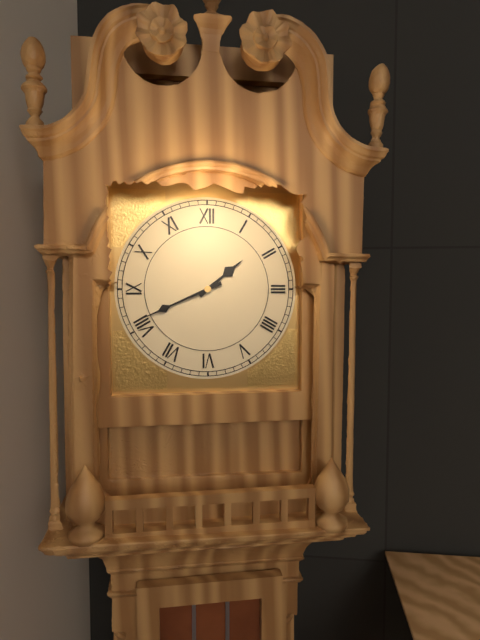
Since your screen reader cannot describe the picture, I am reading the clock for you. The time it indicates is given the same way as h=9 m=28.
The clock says h=1 m=41
